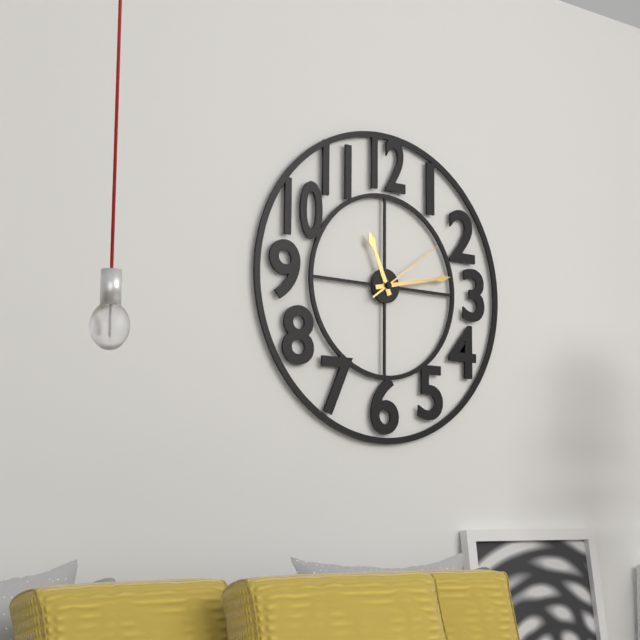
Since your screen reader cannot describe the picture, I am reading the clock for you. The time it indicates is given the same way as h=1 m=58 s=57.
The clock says h=11 m=13 s=9
